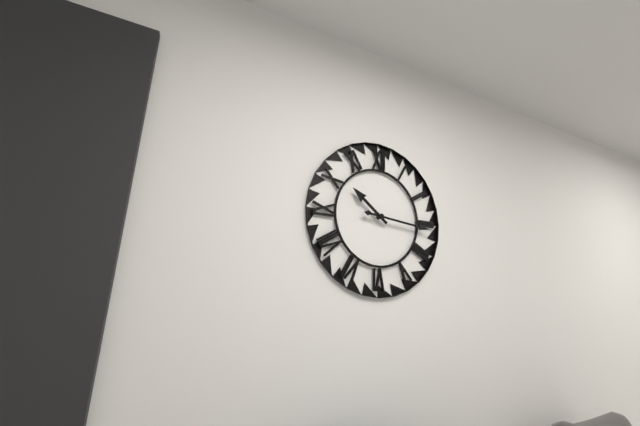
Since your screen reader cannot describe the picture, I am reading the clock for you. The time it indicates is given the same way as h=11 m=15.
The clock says h=10 m=16
